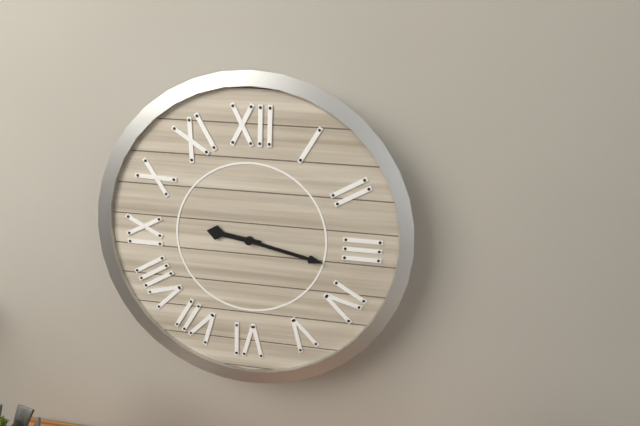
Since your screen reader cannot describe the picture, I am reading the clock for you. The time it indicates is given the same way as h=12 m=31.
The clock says h=9 m=17
